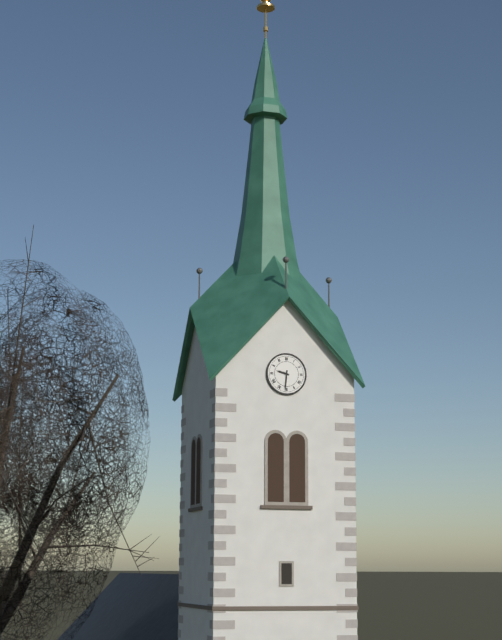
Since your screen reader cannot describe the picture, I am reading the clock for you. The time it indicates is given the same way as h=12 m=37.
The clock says h=9 m=31
